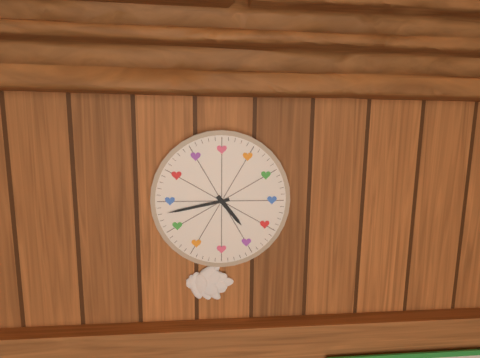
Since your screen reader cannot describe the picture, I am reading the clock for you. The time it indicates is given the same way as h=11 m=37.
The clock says h=4 m=43
